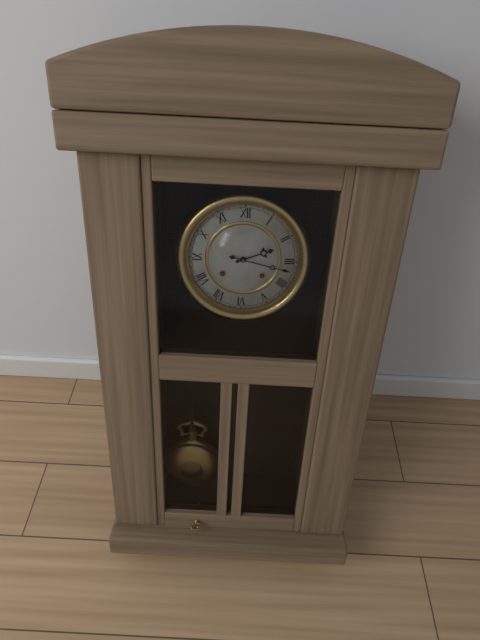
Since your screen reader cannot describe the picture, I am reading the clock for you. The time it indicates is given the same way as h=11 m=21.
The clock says h=2 m=17
